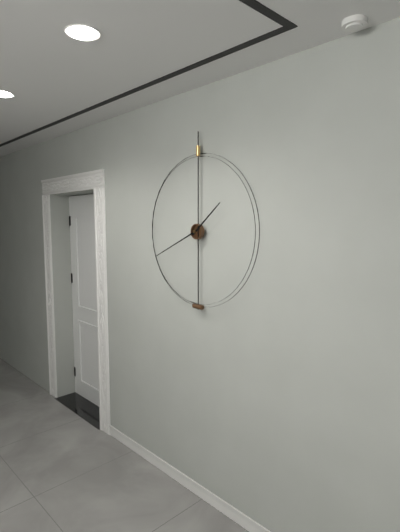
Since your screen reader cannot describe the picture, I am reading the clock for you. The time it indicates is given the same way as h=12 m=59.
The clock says h=1 m=41
